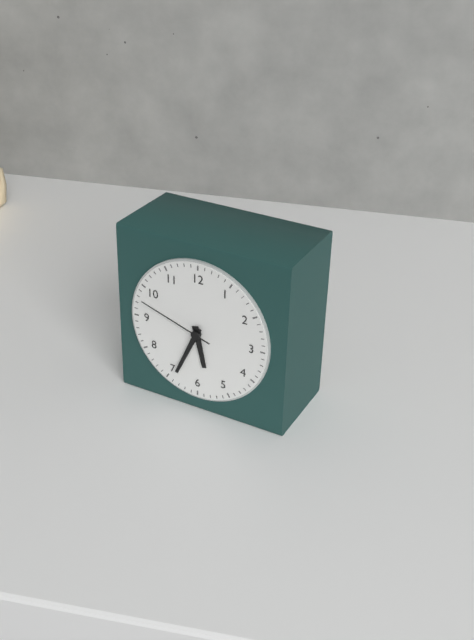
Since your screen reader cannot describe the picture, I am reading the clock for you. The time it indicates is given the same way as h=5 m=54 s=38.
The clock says h=5 m=34 s=48
